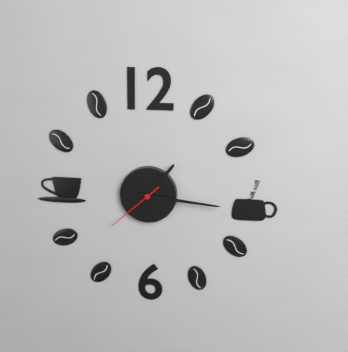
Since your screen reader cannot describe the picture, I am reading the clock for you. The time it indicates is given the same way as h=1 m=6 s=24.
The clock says h=1 m=16 s=38
